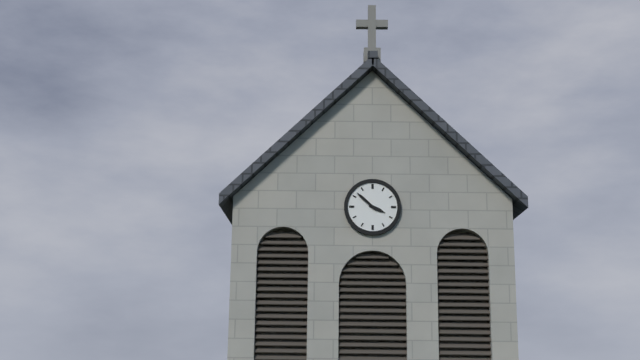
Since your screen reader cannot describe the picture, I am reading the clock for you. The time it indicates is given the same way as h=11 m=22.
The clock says h=3 m=52
